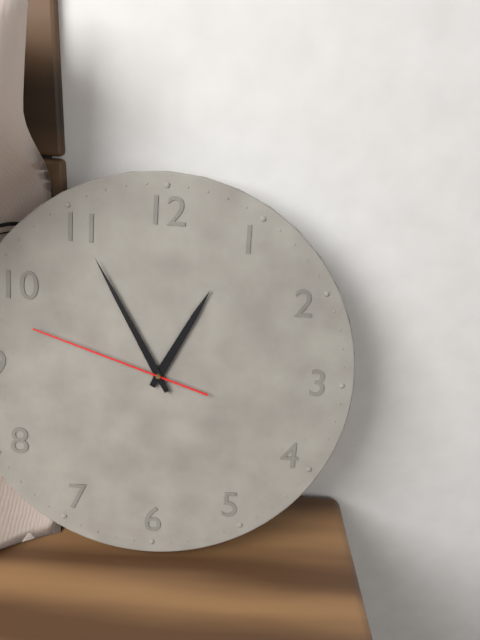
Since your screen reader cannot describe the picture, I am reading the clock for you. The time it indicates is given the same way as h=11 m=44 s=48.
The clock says h=12 m=55 s=48
